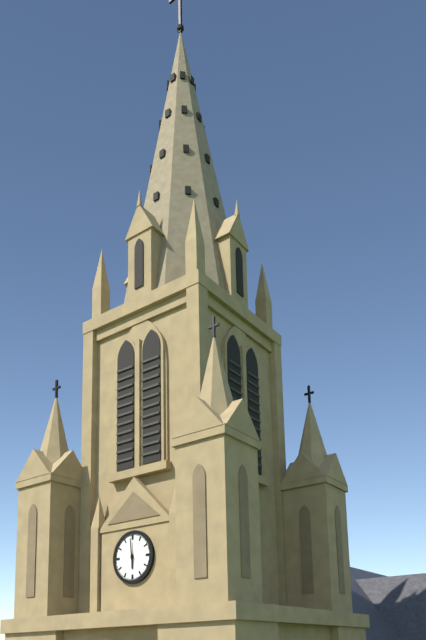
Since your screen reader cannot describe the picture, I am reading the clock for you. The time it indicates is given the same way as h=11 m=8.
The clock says h=5 m=59
